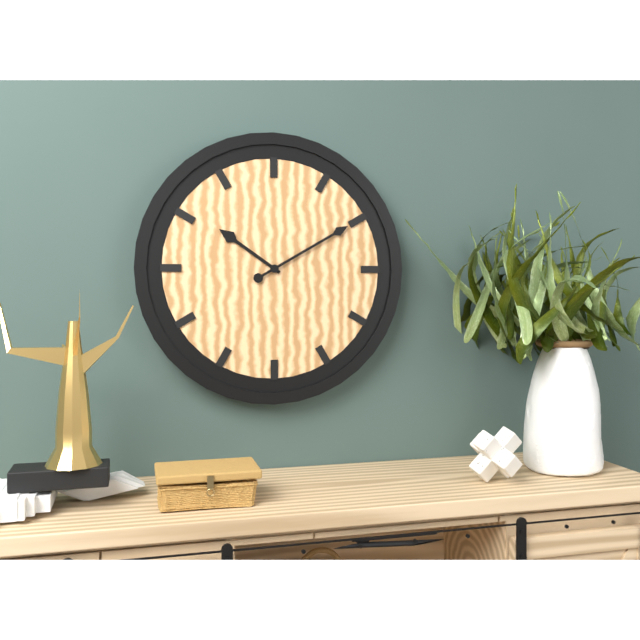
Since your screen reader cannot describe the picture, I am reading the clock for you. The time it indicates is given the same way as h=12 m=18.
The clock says h=10 m=10
